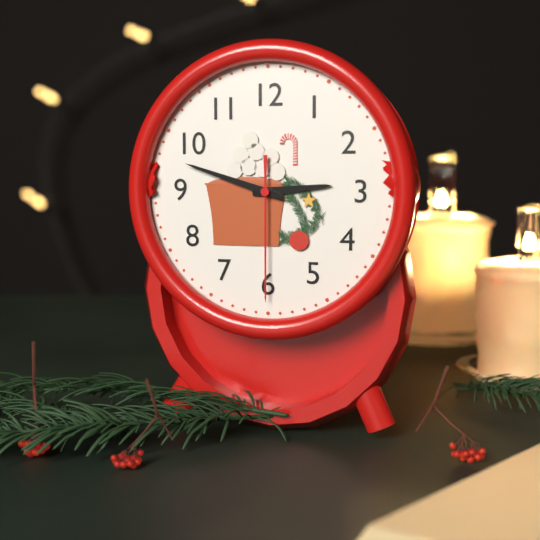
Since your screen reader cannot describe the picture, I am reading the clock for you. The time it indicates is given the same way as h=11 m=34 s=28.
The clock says h=2 m=48 s=30
